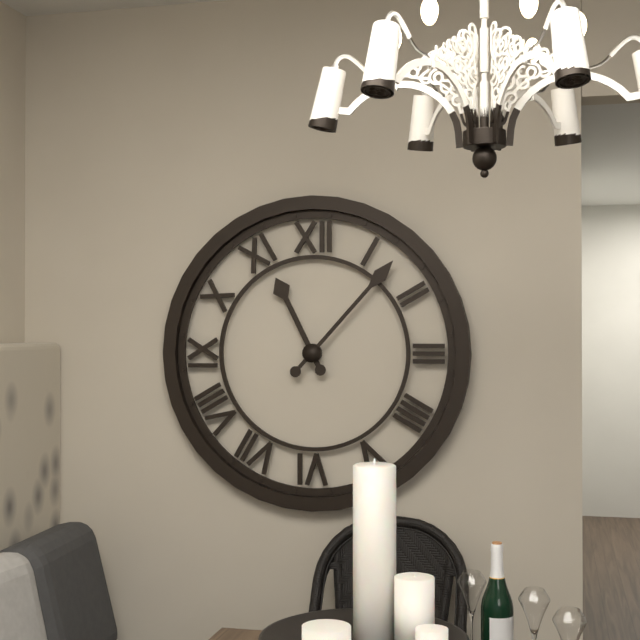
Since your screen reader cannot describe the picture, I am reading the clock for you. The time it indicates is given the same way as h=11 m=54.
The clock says h=11 m=7
